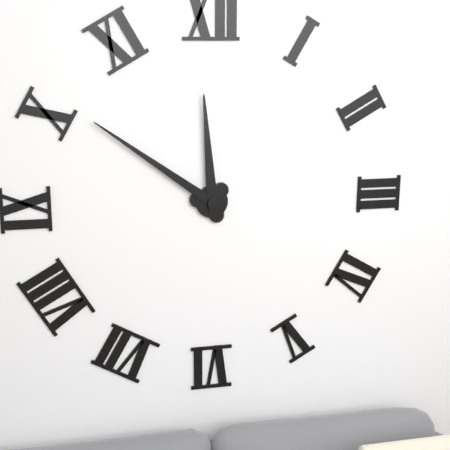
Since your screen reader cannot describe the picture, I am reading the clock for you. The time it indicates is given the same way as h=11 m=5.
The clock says h=11 m=51
